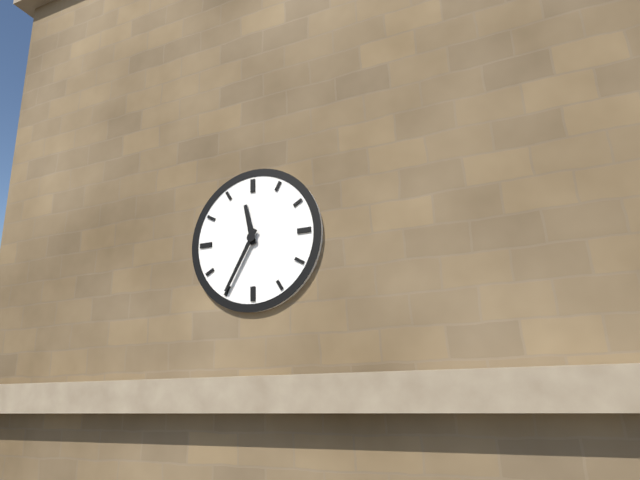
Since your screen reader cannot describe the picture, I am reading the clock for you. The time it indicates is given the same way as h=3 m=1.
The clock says h=11 m=35
